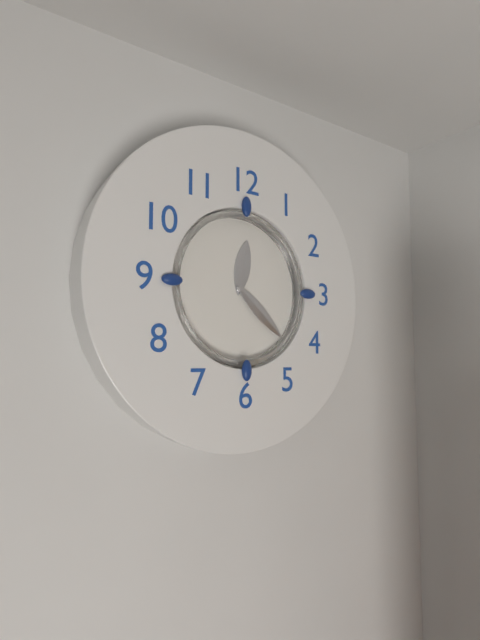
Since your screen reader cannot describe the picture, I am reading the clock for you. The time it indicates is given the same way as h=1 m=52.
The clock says h=12 m=22
